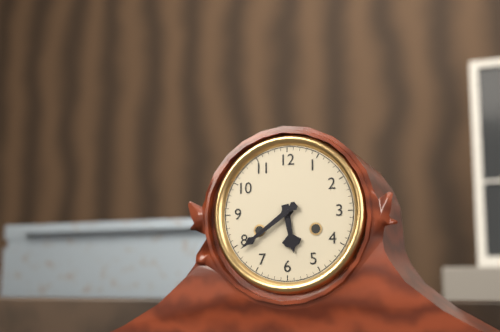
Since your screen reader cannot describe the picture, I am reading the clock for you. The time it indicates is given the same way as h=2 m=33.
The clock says h=5 m=39
